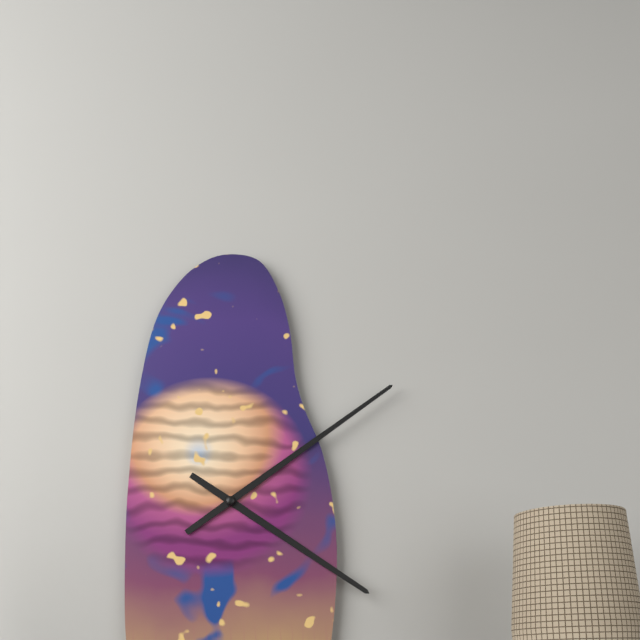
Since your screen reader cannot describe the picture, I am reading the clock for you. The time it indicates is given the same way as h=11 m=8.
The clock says h=4 m=9
